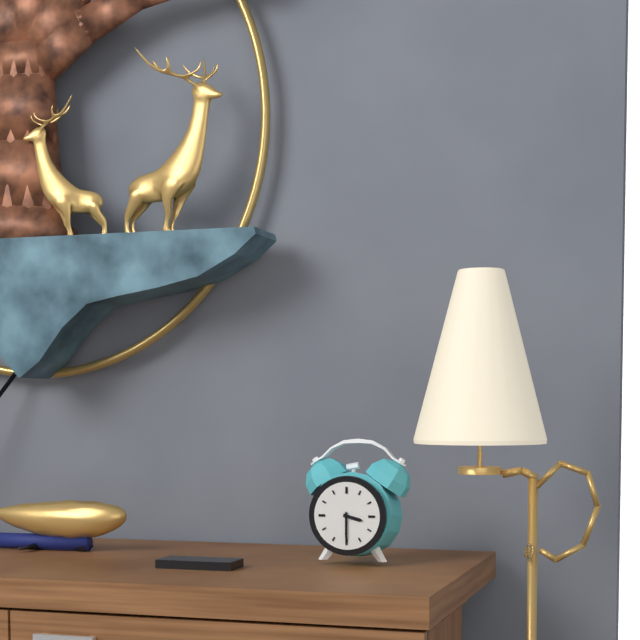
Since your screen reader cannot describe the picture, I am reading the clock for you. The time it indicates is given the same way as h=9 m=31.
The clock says h=3 m=30
